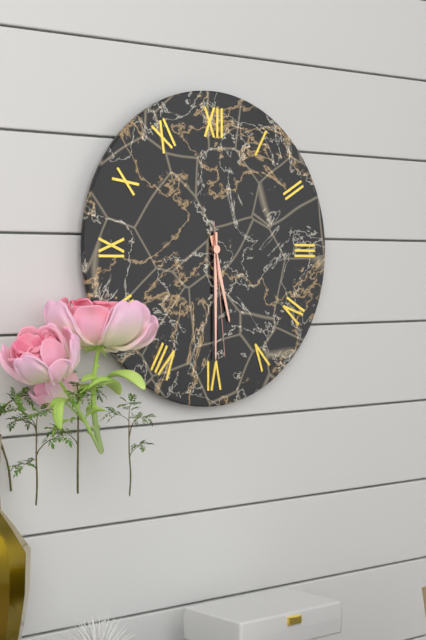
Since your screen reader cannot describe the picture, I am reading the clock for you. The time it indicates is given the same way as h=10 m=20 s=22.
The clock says h=5 m=30 s=29
